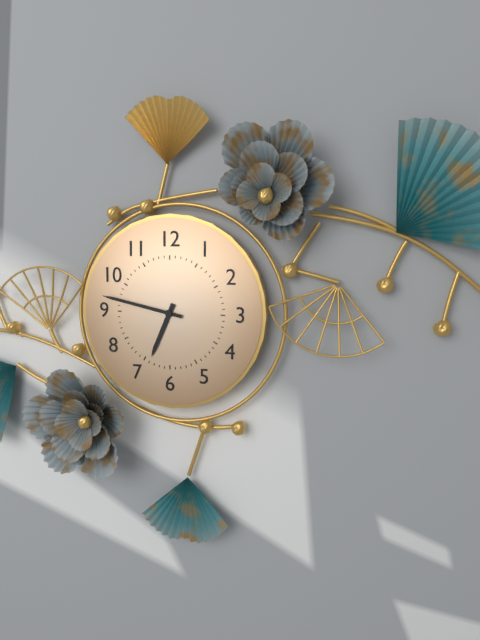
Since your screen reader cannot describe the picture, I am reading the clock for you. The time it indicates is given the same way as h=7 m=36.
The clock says h=6 m=47
